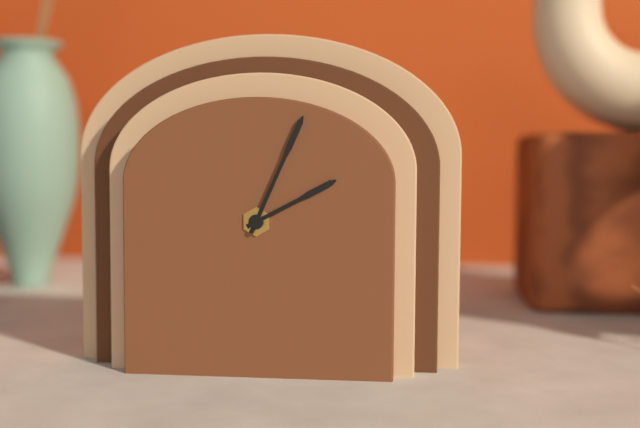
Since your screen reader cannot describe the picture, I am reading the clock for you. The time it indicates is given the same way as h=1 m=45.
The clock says h=2 m=4
